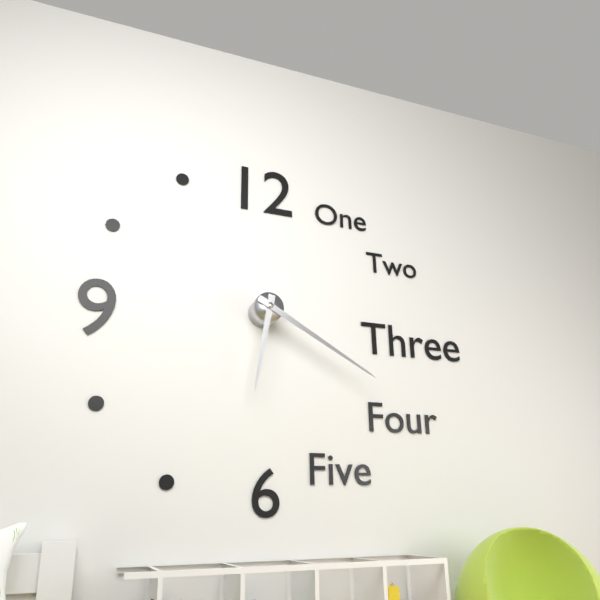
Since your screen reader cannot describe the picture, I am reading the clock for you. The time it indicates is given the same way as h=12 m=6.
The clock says h=6 m=20
